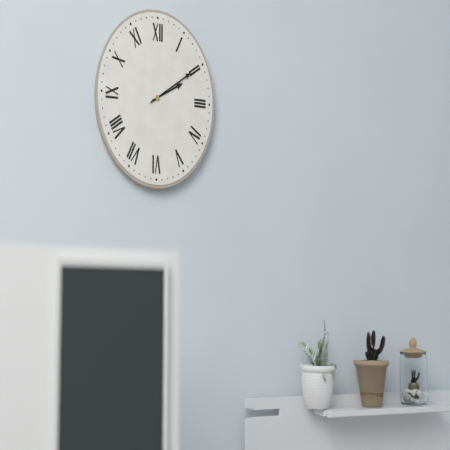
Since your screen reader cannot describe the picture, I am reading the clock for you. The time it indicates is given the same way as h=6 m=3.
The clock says h=2 m=10
